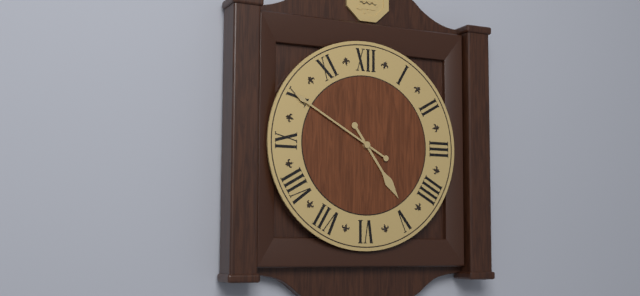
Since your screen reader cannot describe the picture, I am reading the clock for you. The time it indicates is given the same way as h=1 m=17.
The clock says h=4 m=50
